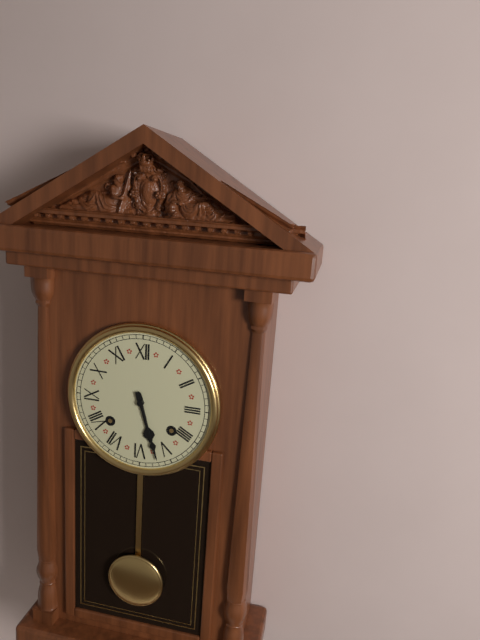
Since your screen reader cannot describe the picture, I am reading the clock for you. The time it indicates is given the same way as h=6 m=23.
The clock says h=5 m=27
